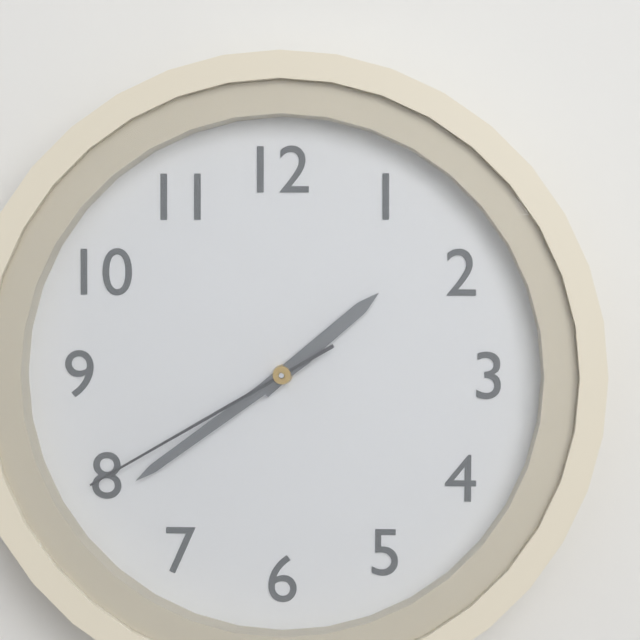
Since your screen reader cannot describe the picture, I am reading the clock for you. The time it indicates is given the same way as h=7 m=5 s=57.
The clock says h=1 m=39 s=40
